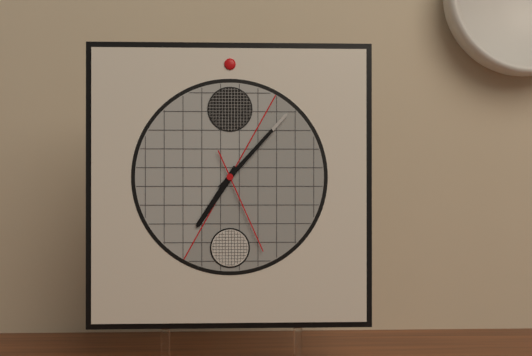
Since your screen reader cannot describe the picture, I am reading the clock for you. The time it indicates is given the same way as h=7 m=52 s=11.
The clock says h=7 m=7 s=26
